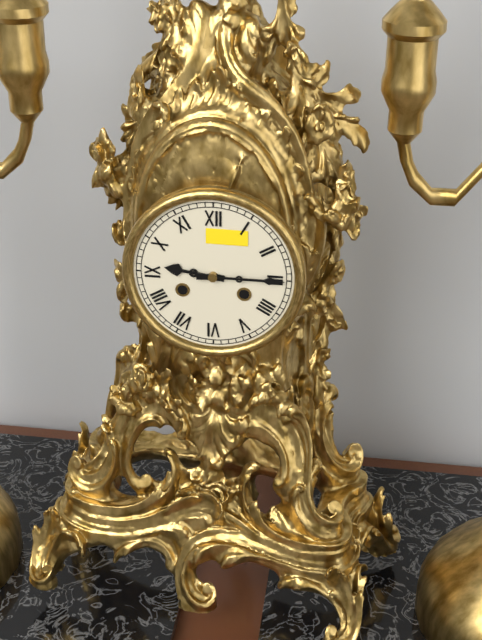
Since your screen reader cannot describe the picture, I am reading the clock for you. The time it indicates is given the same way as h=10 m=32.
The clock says h=9 m=15
